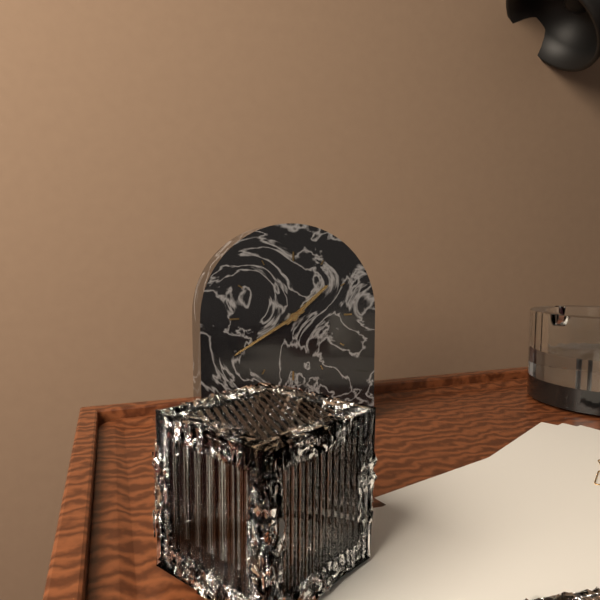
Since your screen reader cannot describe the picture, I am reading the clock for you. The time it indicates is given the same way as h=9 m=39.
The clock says h=1 m=40
